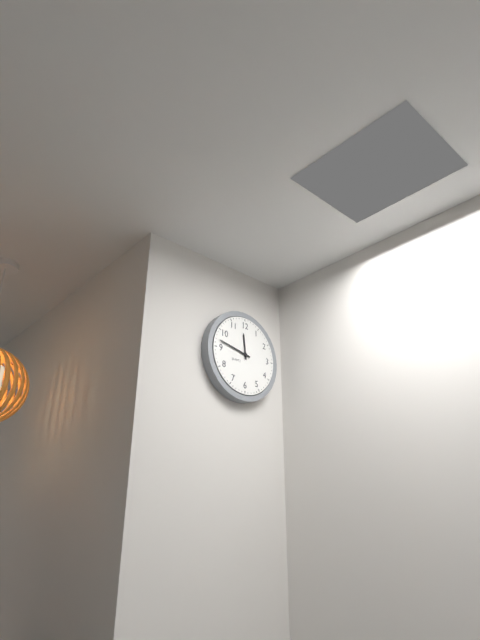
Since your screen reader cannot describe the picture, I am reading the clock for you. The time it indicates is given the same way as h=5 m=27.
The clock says h=11 m=47
